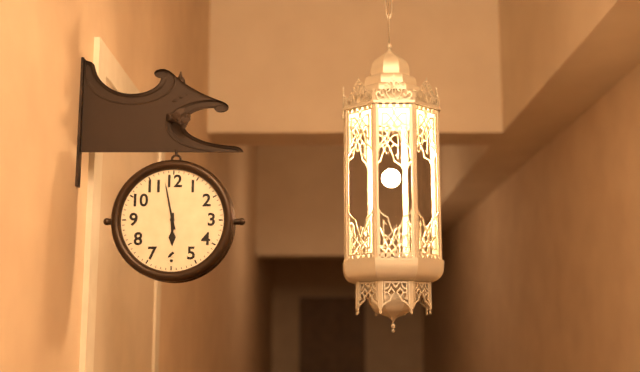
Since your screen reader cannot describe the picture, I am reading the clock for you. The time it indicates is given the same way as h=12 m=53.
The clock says h=5 m=58
